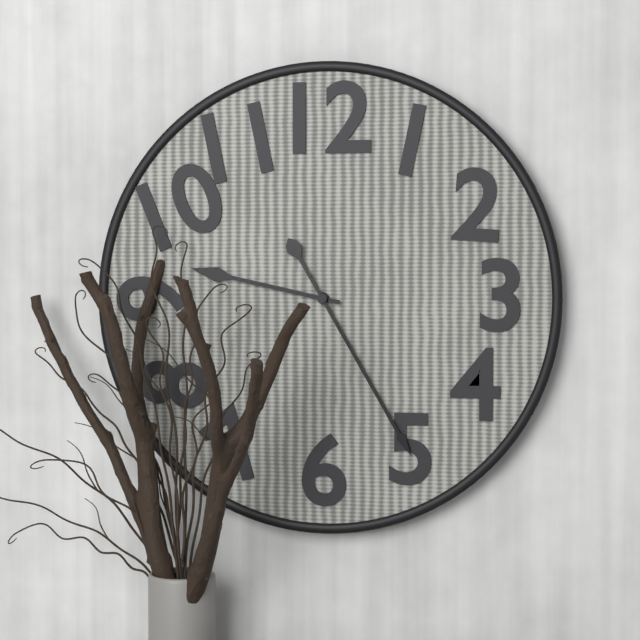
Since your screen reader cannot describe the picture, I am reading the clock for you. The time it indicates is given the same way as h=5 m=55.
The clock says h=9 m=25
